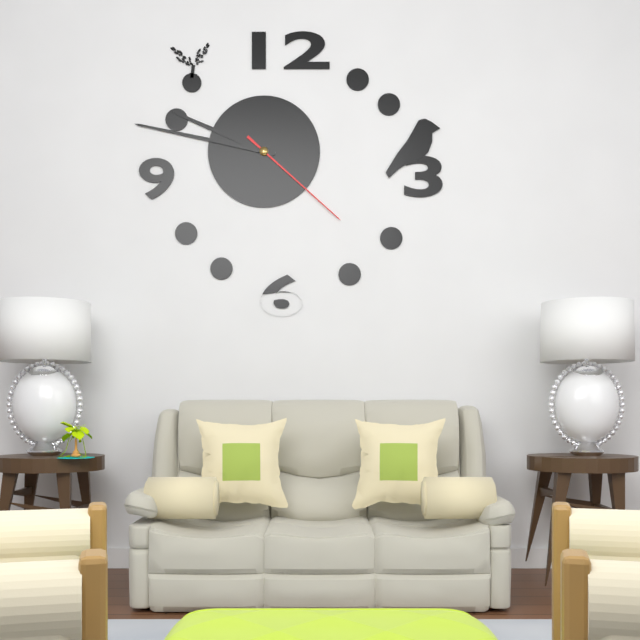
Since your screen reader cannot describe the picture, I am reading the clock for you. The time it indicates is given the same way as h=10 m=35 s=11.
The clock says h=9 m=47 s=22
